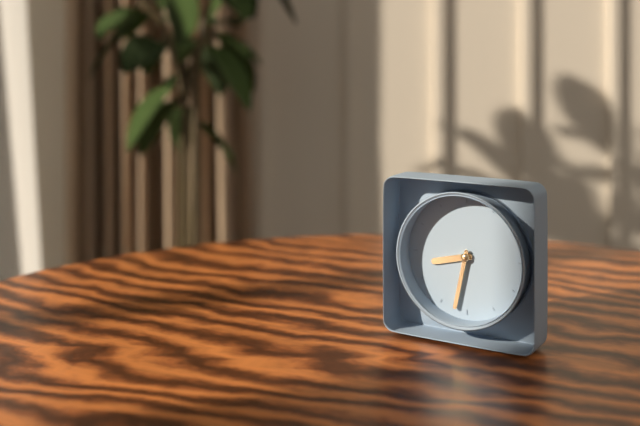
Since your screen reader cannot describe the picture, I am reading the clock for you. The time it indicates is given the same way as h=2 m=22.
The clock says h=8 m=32
